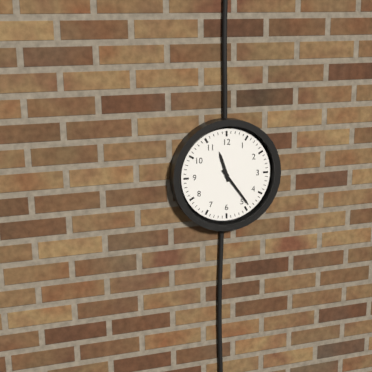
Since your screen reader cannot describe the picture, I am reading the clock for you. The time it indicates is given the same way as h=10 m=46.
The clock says h=11 m=24
